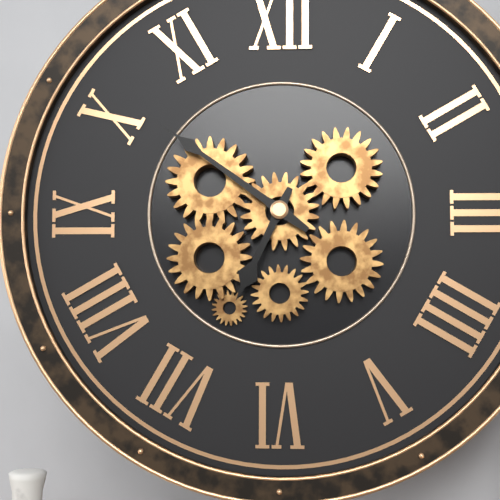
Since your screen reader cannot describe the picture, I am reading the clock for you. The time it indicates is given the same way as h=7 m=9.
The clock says h=6 m=51
